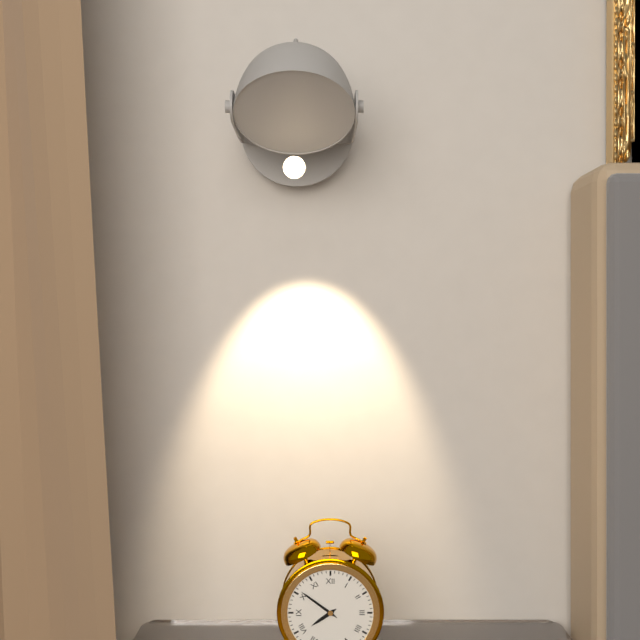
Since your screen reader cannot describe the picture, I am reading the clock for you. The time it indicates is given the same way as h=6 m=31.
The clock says h=7 m=51
